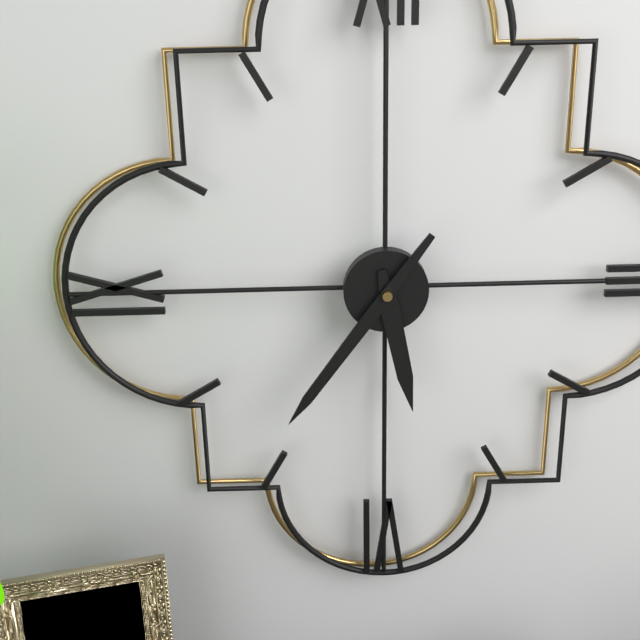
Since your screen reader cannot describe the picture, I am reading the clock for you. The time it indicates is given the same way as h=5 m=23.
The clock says h=5 m=36
